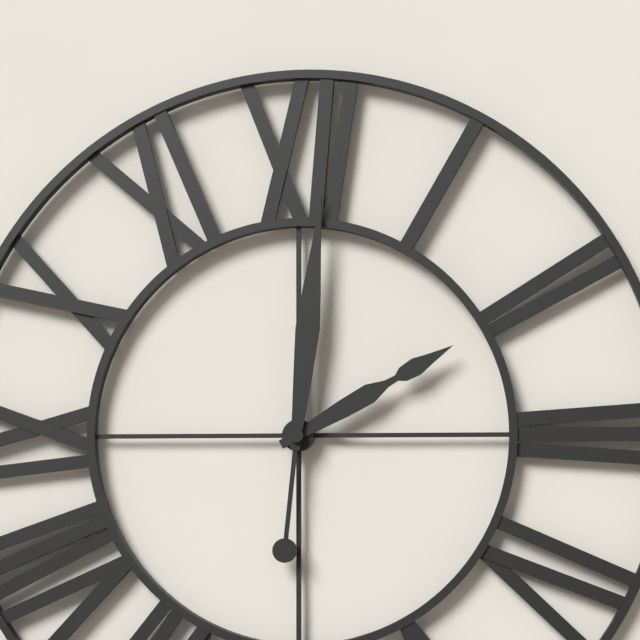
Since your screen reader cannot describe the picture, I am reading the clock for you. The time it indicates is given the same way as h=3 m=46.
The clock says h=2 m=1
